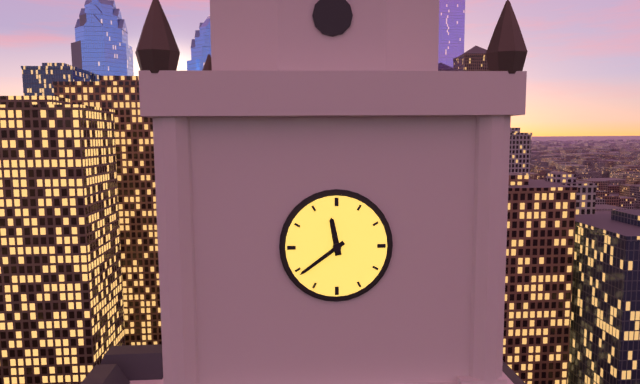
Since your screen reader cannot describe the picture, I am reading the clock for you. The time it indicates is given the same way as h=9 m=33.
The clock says h=11 m=39
